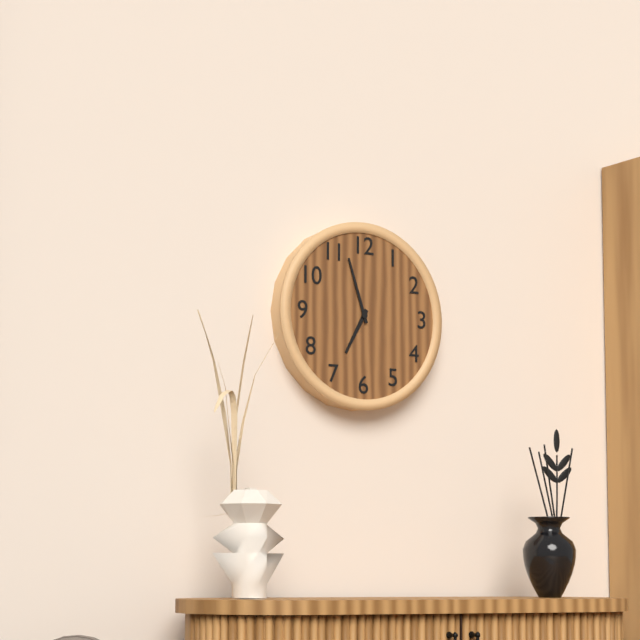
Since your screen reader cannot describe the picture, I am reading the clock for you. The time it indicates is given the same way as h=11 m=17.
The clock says h=6 m=57
